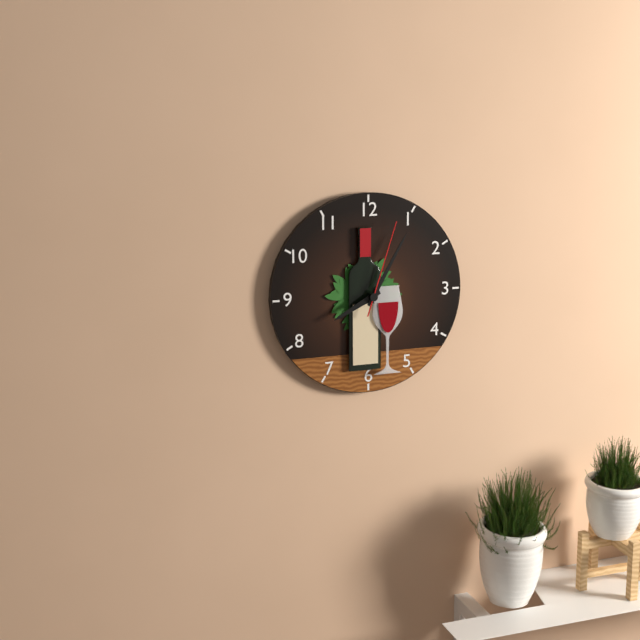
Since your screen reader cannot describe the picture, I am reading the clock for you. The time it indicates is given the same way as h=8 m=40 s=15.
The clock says h=8 m=5 s=3
